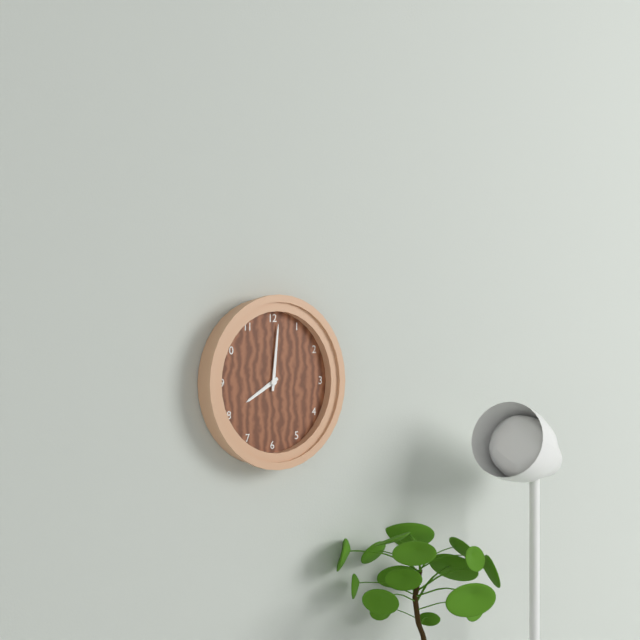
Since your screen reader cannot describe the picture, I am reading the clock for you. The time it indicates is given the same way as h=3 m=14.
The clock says h=8 m=1
